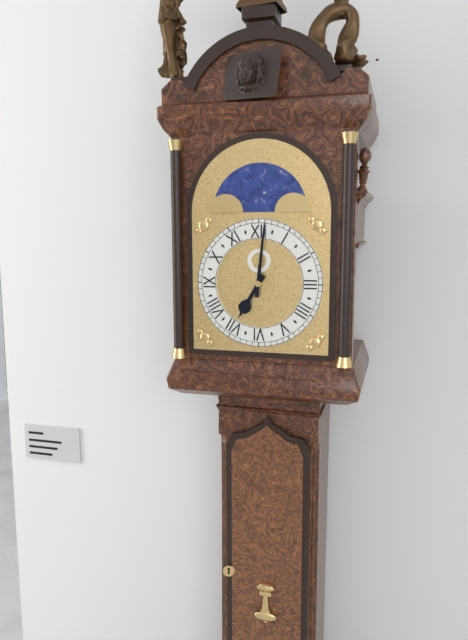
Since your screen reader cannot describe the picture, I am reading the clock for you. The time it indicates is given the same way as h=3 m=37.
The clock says h=7 m=1
